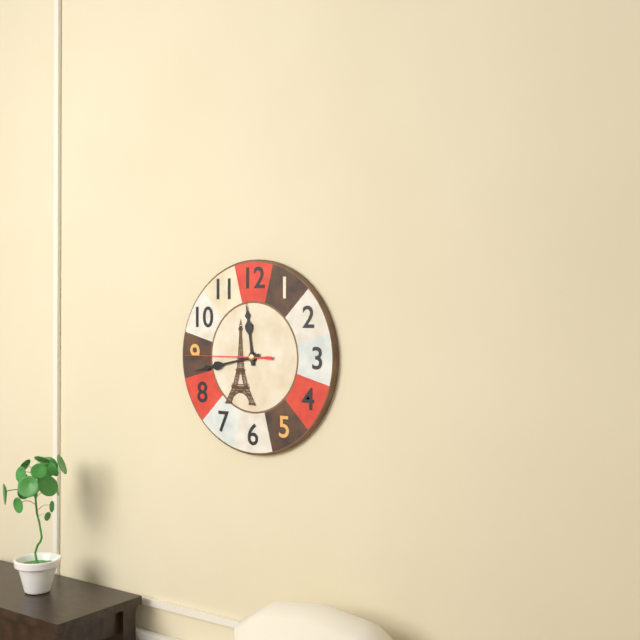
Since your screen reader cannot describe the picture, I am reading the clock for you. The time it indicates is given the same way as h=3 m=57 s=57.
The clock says h=11 m=43 s=45
